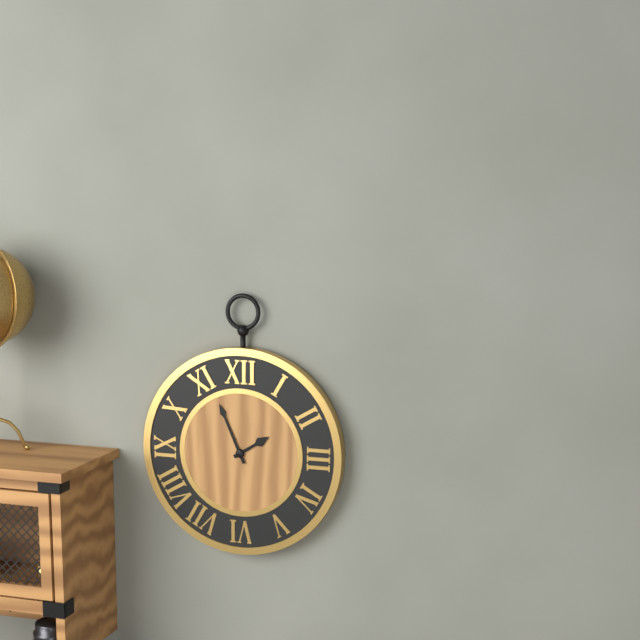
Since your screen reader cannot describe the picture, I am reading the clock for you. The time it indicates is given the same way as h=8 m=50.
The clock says h=1 m=56
